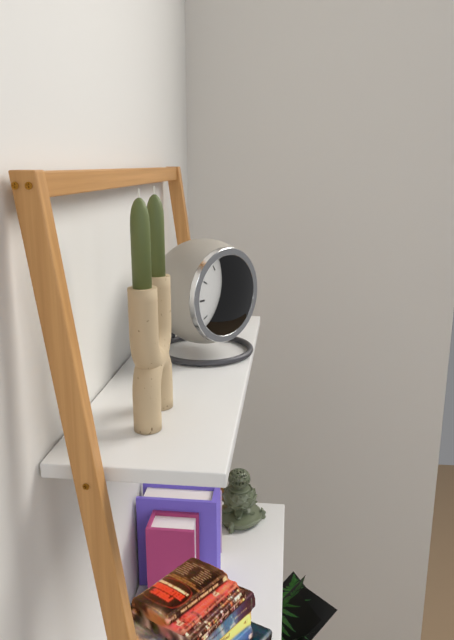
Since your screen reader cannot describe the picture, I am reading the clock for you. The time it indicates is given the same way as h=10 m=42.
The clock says h=3 m=14
